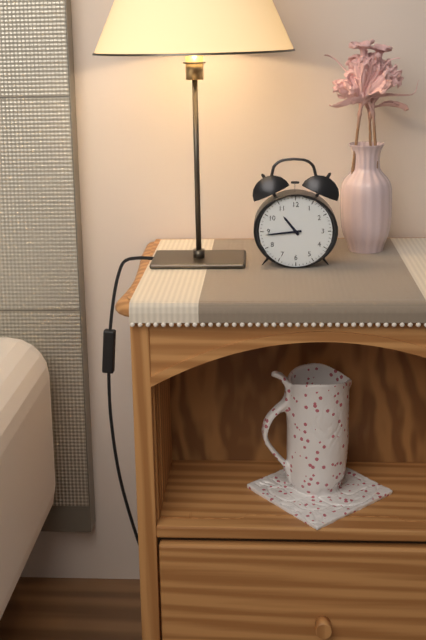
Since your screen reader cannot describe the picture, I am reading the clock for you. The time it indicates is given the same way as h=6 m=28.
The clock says h=10 m=44
